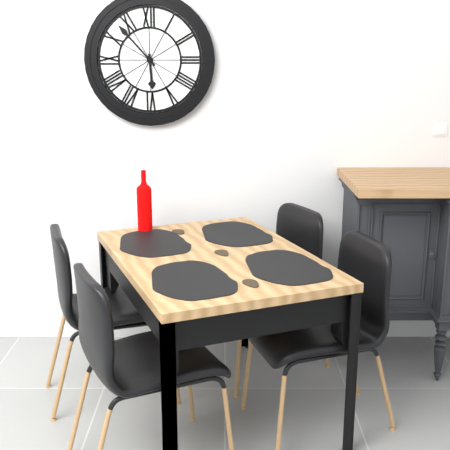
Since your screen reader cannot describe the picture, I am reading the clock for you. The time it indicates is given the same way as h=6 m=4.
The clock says h=5 m=53
